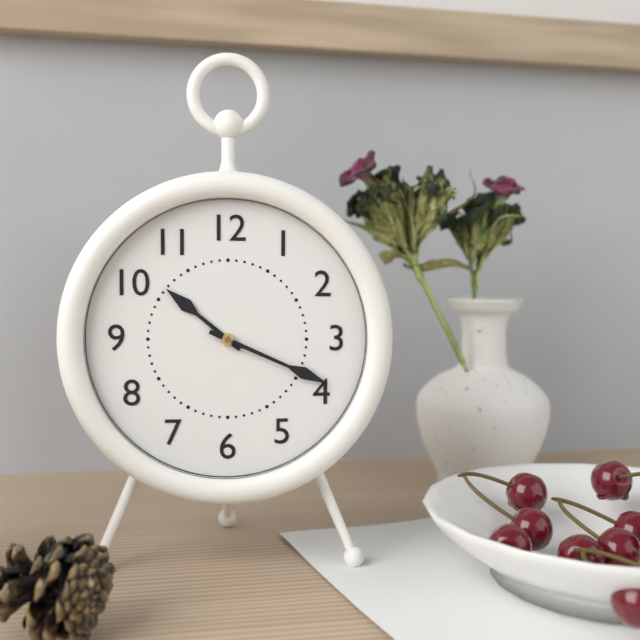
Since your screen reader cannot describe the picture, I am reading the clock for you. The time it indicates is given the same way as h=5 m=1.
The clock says h=10 m=19
